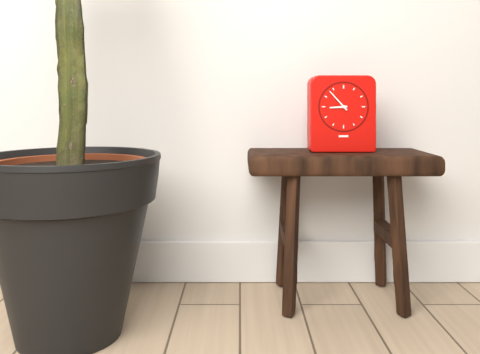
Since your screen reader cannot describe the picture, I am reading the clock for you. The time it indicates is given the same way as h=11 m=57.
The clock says h=8 m=53
